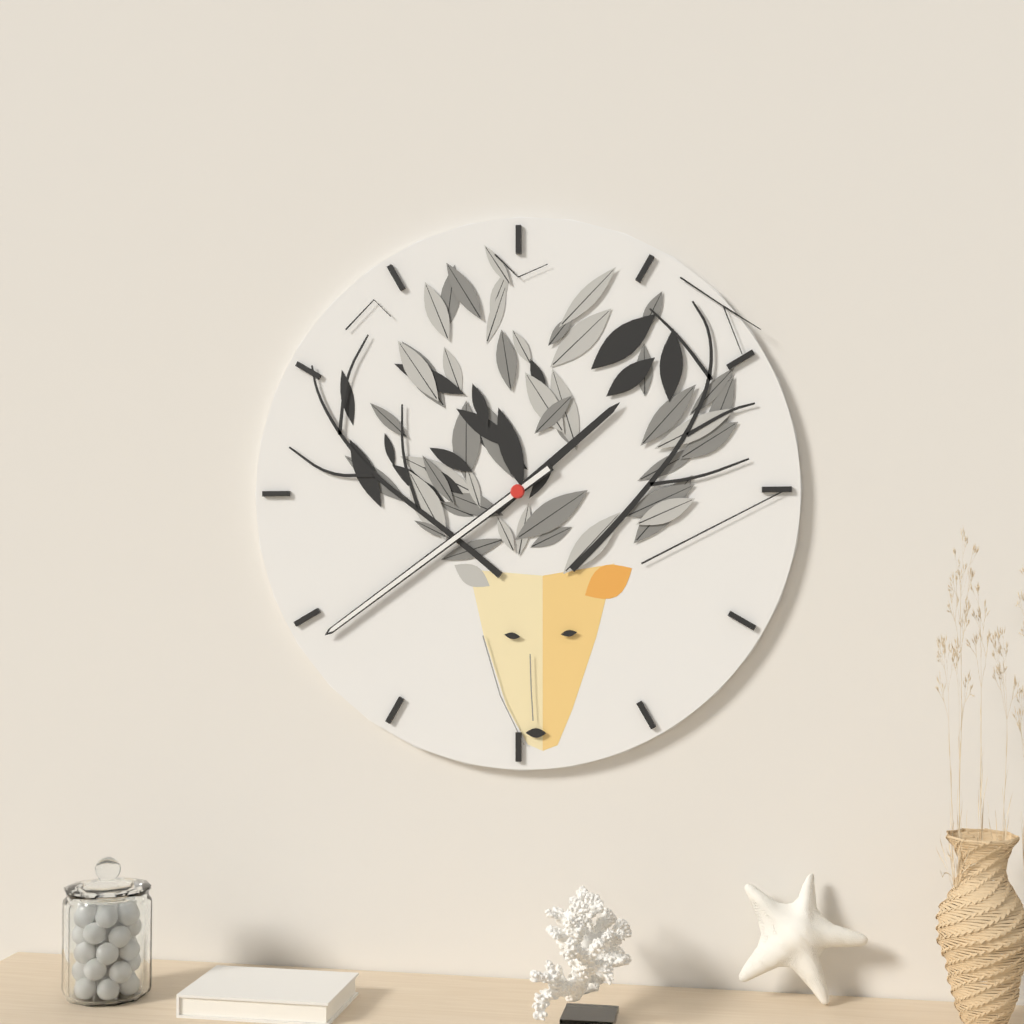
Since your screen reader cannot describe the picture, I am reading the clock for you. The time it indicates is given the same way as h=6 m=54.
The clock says h=1 m=39
